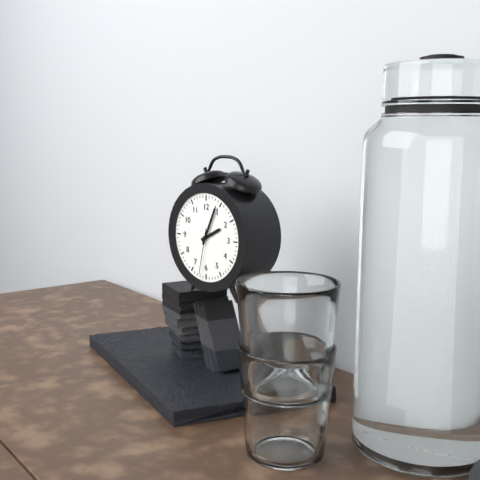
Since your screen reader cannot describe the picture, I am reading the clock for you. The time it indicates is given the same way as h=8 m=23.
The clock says h=2 m=4
